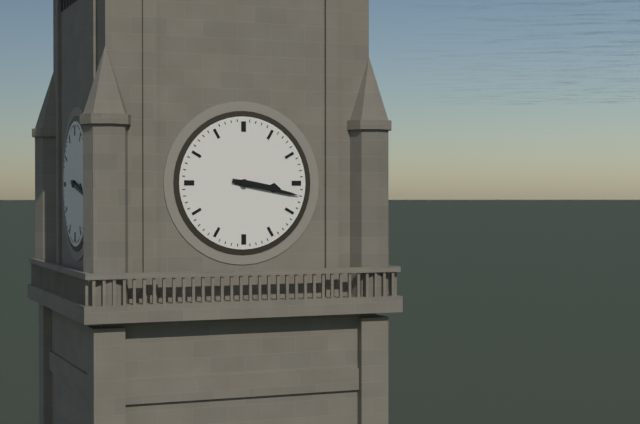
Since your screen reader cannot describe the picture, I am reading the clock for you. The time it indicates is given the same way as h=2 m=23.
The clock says h=3 m=17
